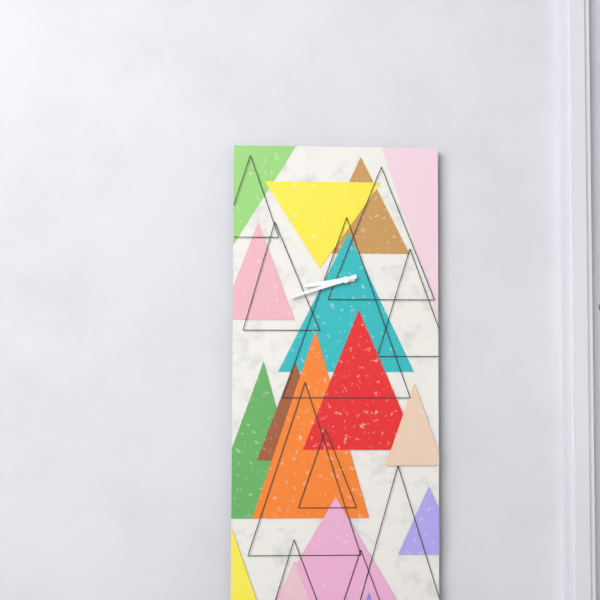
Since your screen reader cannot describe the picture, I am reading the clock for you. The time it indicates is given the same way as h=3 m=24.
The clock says h=8 m=42
